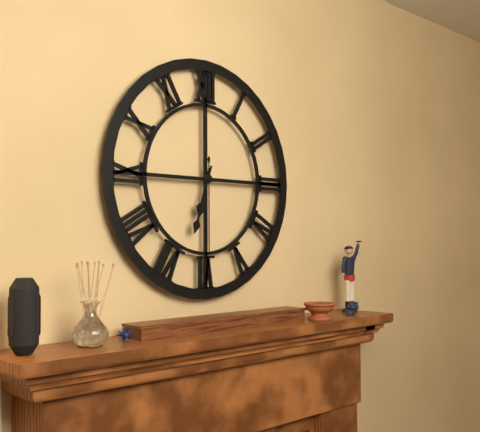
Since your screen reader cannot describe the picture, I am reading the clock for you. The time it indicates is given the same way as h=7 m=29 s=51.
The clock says h=6 m=33 s=30
